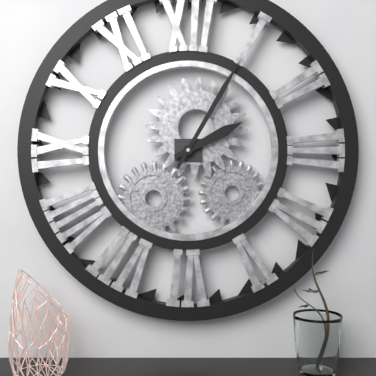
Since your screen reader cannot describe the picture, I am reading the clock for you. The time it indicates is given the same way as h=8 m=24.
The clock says h=2 m=5
